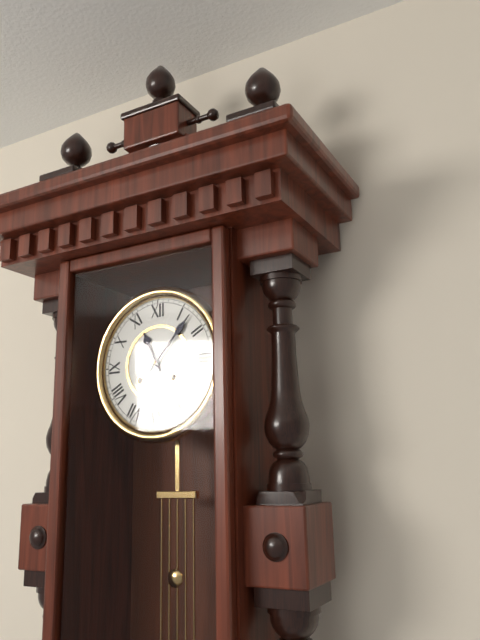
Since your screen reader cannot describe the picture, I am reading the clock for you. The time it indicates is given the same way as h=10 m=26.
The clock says h=11 m=7
